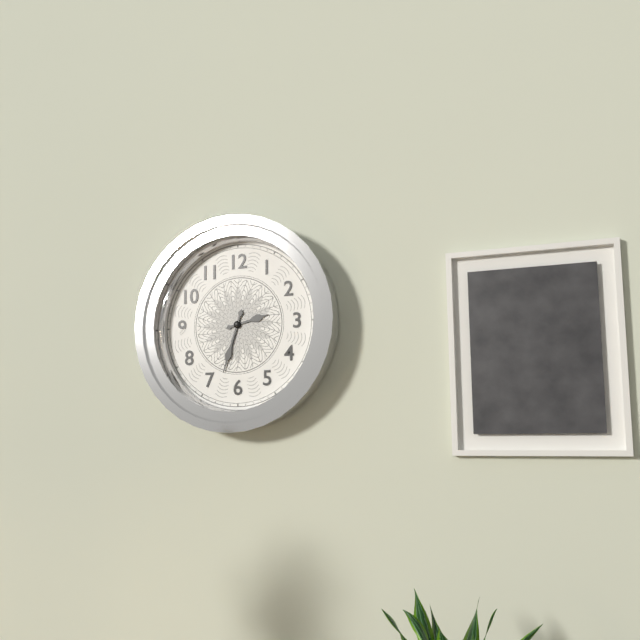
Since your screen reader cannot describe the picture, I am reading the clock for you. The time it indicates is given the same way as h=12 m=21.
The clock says h=2 m=33
